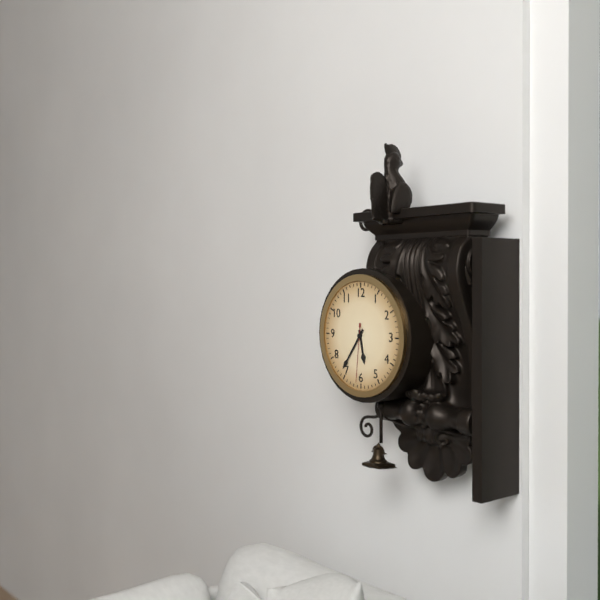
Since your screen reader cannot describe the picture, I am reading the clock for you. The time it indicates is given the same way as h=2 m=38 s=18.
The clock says h=5 m=36 s=31
